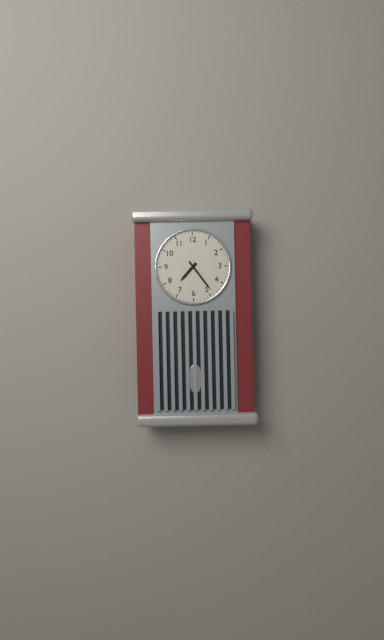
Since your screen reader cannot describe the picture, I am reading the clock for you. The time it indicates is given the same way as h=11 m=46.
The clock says h=7 m=24
